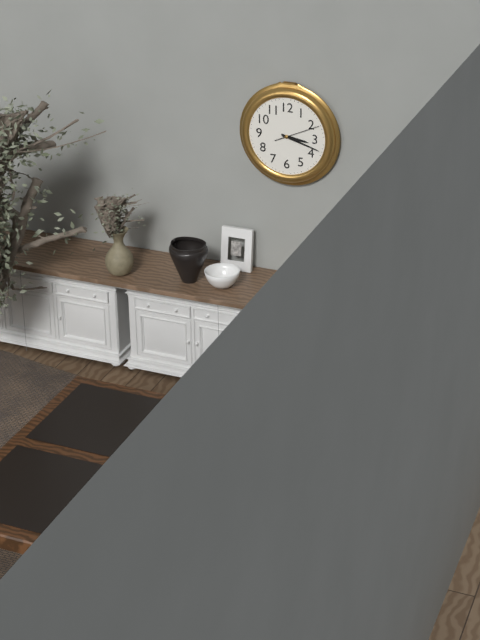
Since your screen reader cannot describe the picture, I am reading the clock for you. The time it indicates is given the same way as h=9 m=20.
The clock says h=3 m=18
